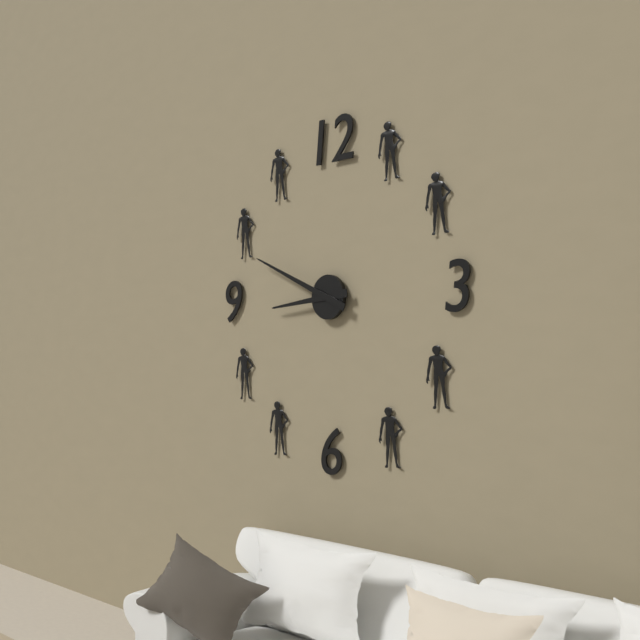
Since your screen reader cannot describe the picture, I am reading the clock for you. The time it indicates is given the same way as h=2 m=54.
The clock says h=8 m=49
